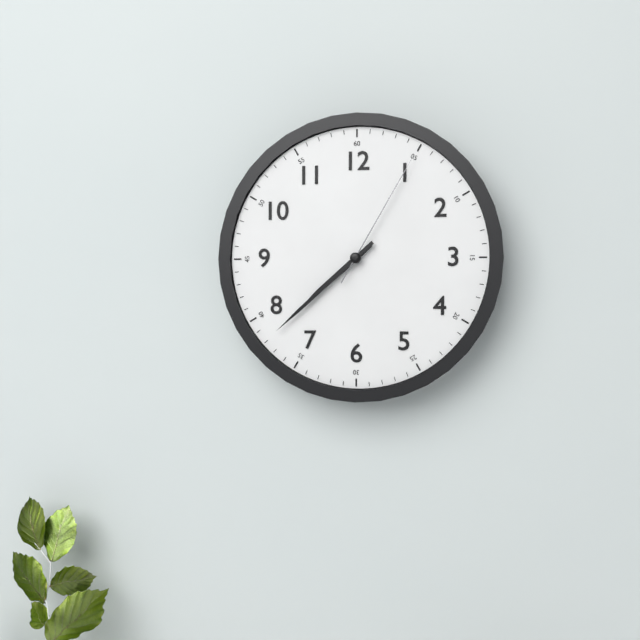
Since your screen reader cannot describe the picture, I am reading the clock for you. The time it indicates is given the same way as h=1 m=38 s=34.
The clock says h=7 m=38 s=5
